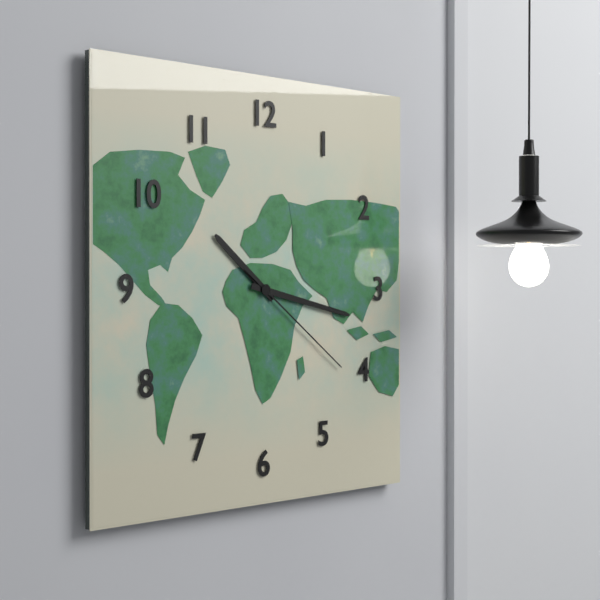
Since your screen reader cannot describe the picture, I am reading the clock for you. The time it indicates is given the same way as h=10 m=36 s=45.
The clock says h=10 m=17 s=21
